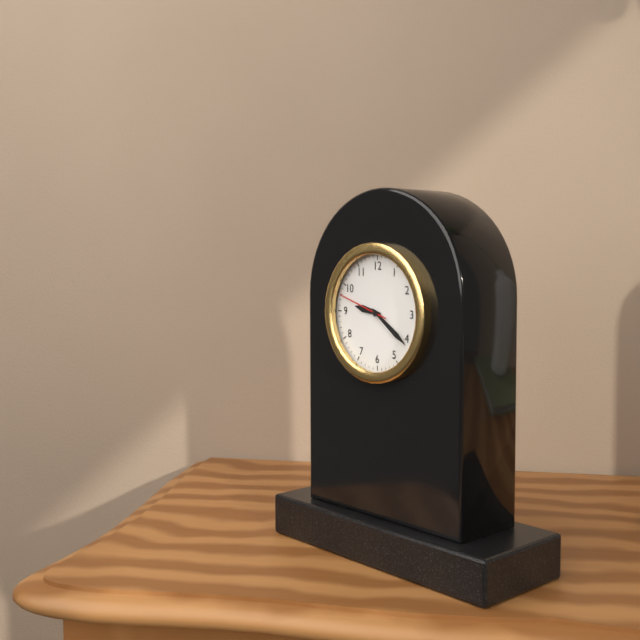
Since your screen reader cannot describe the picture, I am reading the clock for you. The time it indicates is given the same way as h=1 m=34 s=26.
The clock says h=9 m=21 s=48
